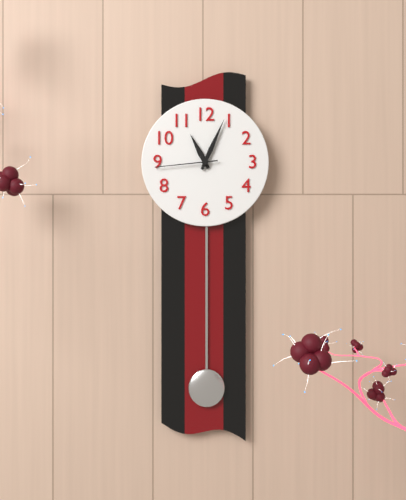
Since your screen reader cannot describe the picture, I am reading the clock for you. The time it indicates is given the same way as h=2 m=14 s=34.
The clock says h=11 m=4 s=44
